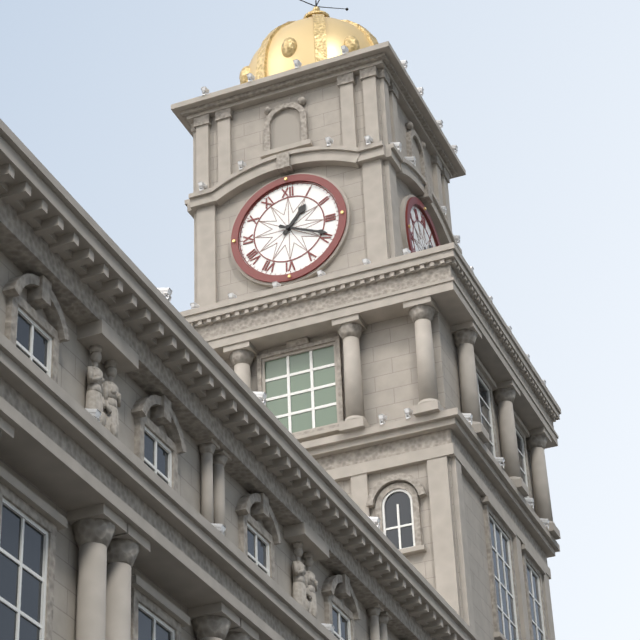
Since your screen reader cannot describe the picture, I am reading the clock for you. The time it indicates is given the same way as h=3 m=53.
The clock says h=1 m=19
